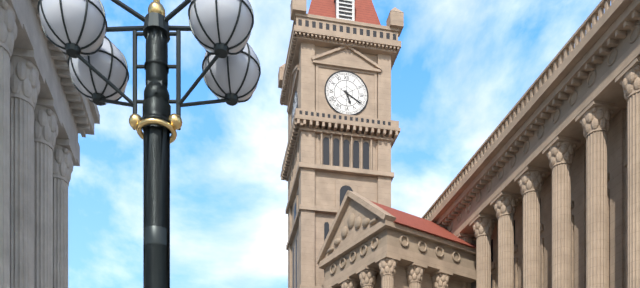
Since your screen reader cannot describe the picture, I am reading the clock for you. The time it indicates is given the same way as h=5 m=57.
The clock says h=5 m=20
